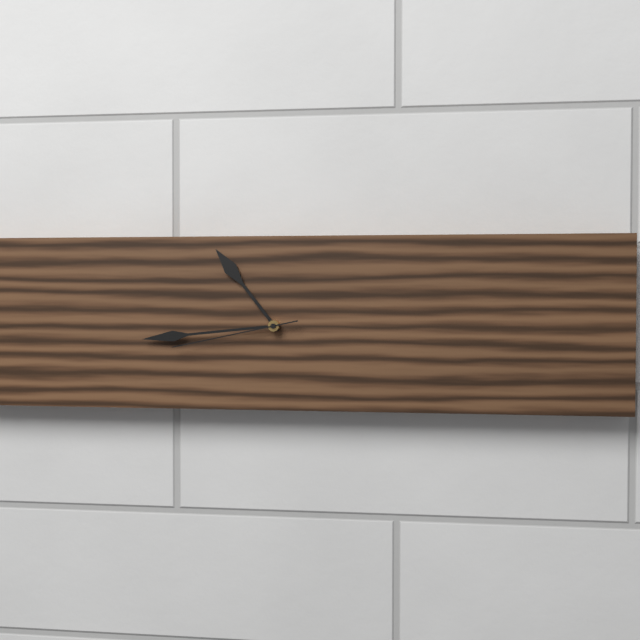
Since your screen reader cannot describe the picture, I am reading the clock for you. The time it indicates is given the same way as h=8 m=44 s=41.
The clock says h=10 m=44 s=43
